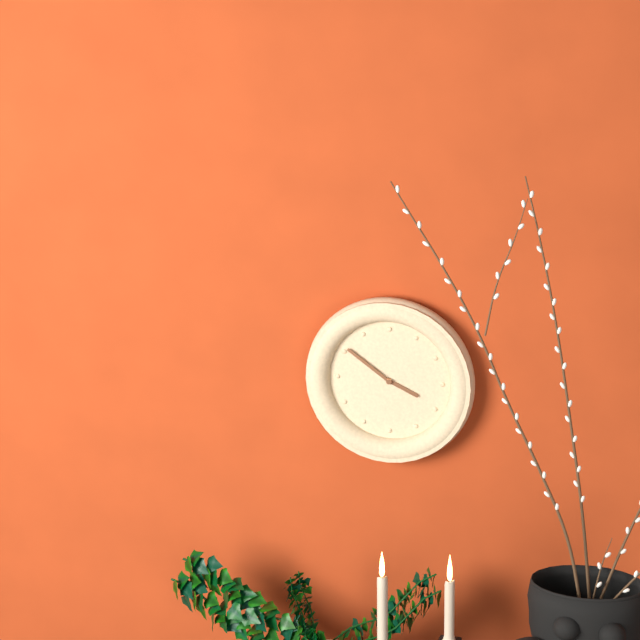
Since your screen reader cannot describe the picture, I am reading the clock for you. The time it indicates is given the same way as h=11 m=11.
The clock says h=3 m=51
